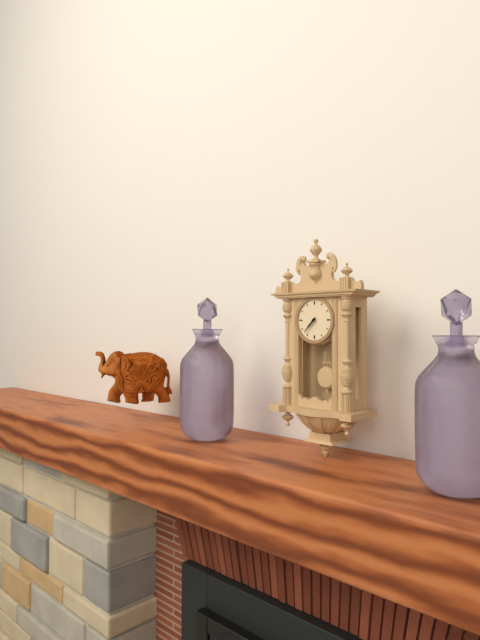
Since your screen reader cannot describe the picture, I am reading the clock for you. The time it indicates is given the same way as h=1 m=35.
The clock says h=7 m=37
